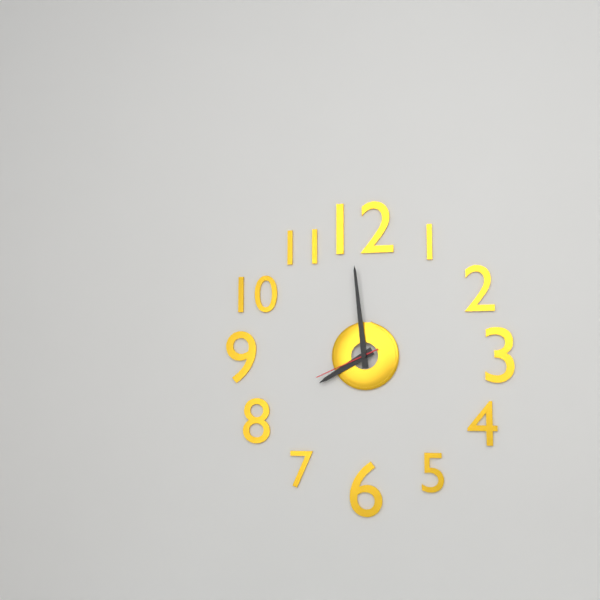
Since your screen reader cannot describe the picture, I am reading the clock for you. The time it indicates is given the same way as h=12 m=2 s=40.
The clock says h=7 m=59 s=41
